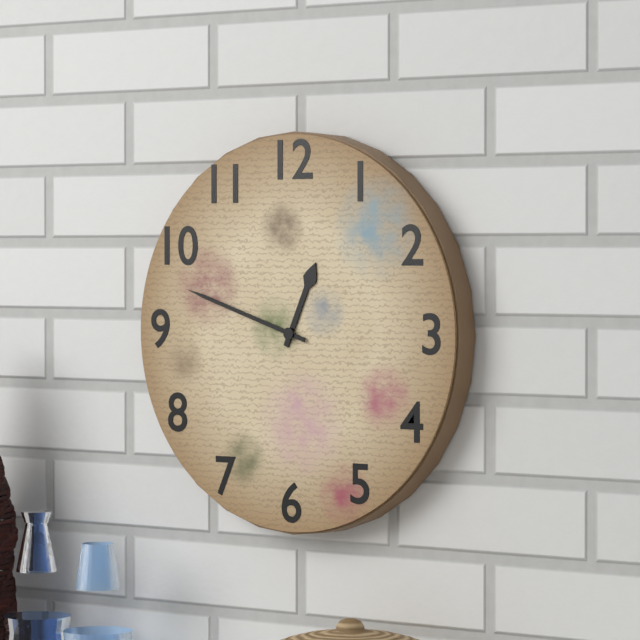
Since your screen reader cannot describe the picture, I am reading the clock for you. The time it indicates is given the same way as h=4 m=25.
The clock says h=12 m=48
